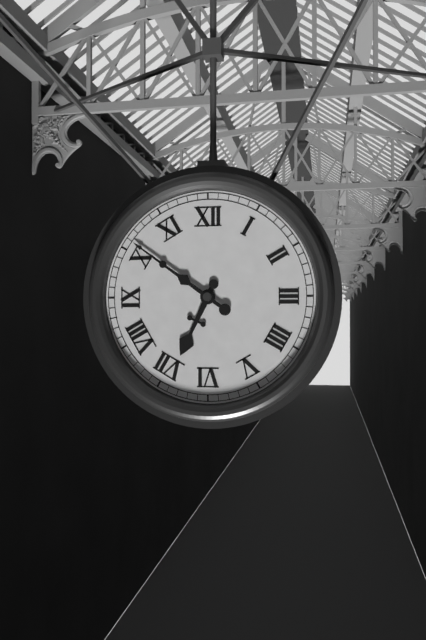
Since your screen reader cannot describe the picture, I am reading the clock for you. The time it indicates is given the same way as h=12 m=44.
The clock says h=6 m=51
